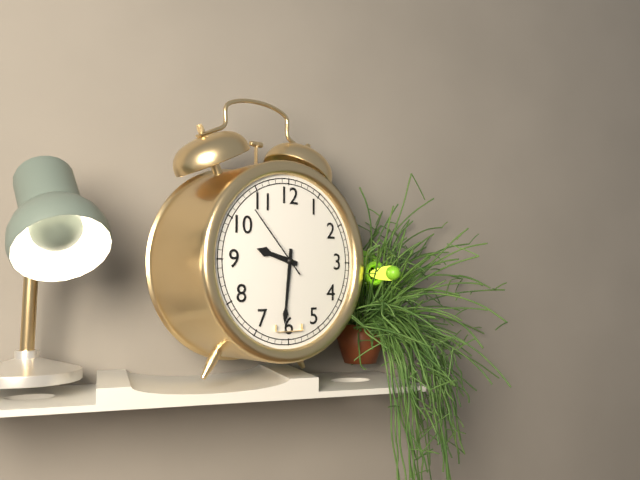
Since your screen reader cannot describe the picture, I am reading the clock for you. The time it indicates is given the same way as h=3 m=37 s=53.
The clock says h=9 m=31 s=53
